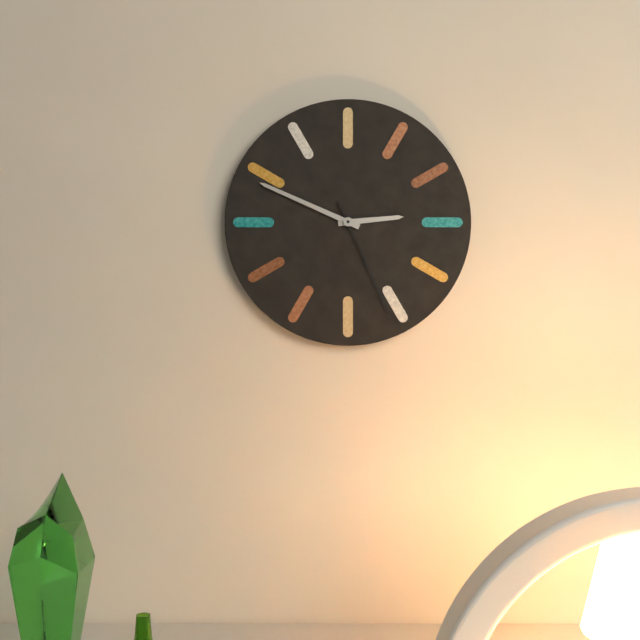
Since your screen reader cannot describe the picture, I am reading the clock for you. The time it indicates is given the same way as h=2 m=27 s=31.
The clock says h=2 m=49 s=26
